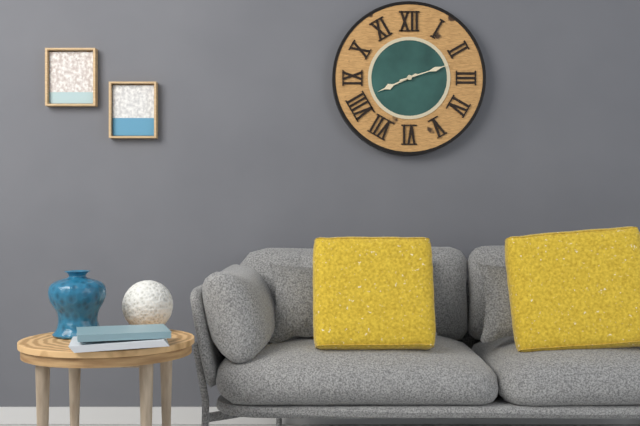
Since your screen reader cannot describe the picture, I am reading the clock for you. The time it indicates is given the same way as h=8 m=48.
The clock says h=8 m=12
